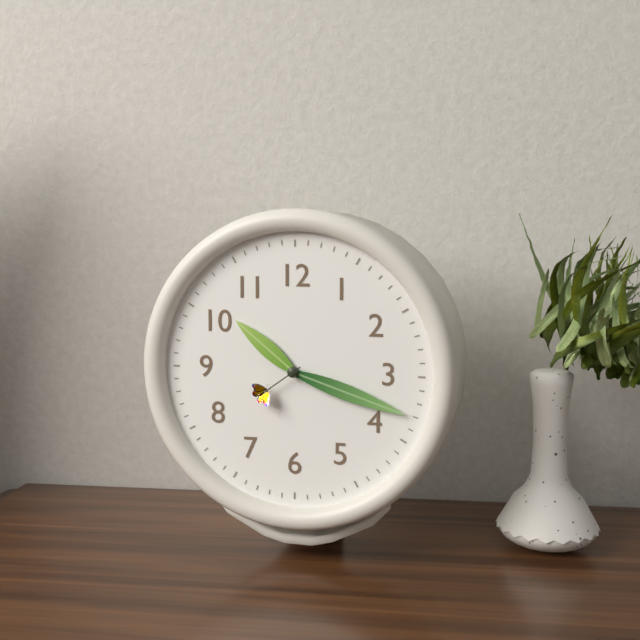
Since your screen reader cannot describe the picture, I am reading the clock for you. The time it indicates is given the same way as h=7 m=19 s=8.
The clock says h=10 m=18 s=39
